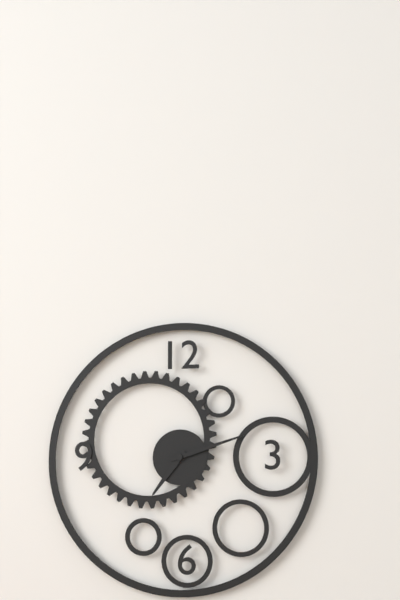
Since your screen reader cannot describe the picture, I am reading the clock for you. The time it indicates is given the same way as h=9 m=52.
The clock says h=7 m=12
